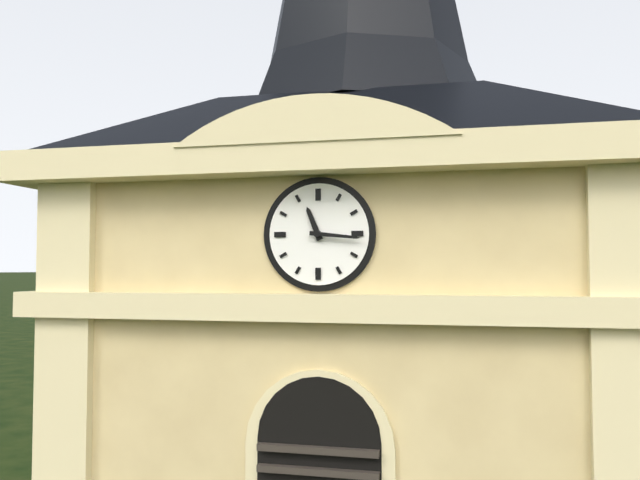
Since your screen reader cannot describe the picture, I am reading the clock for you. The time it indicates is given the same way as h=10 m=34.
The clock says h=11 m=16
